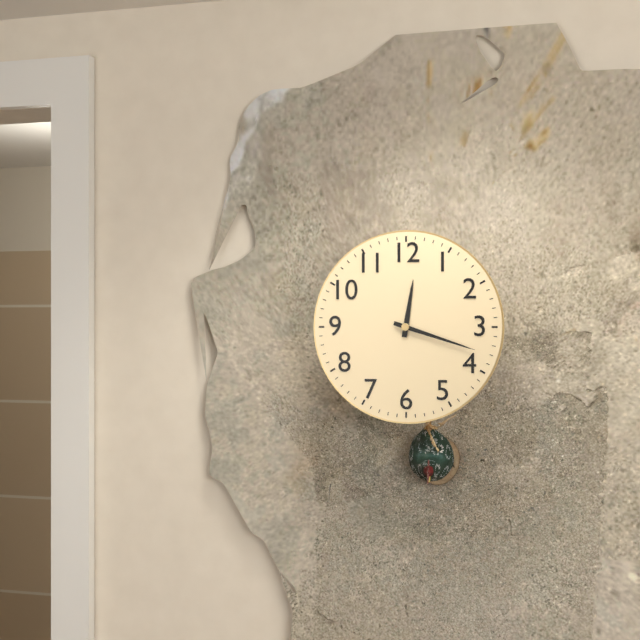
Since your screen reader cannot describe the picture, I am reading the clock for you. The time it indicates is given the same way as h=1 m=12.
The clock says h=12 m=18
